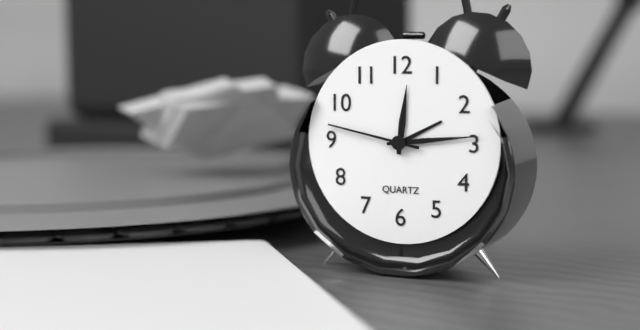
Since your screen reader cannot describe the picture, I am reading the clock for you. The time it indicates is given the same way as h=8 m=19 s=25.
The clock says h=12 m=14 s=47
